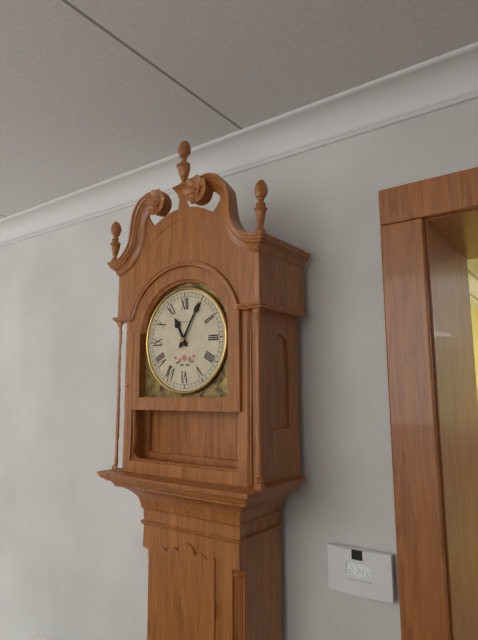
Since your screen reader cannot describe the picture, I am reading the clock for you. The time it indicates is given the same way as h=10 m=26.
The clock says h=11 m=5
